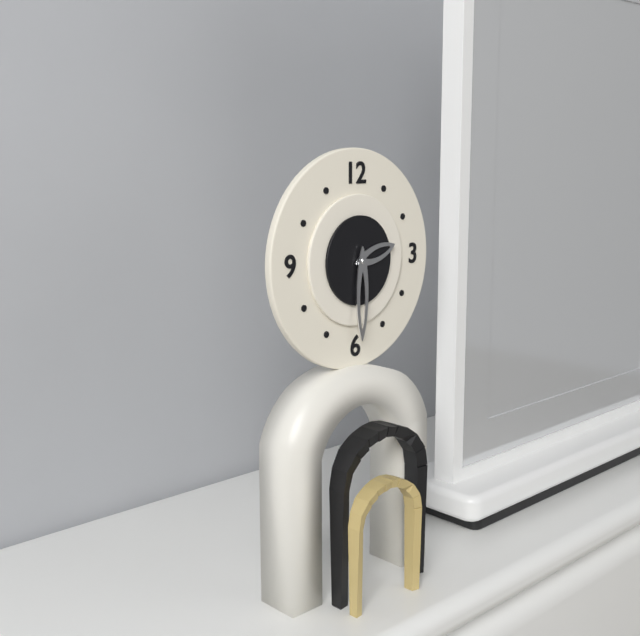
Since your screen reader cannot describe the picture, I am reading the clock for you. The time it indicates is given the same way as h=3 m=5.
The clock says h=2 m=30
